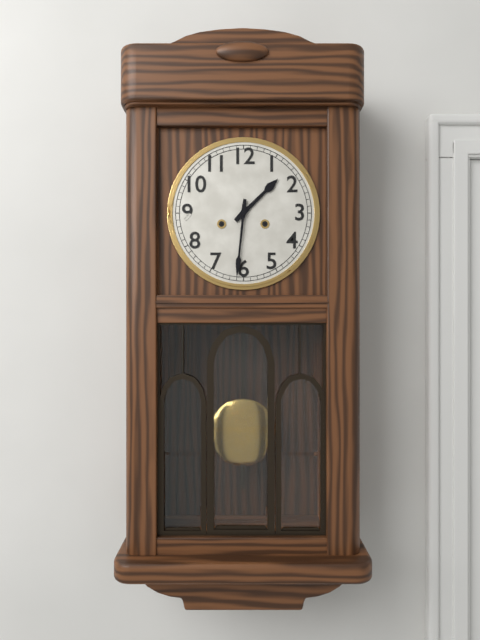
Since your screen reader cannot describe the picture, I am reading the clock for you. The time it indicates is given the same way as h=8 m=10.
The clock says h=1 m=31
